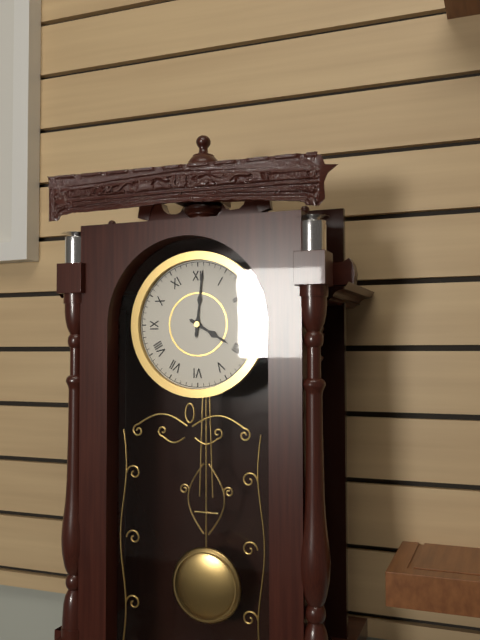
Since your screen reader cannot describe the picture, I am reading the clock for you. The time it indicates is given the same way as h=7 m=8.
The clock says h=4 m=1
